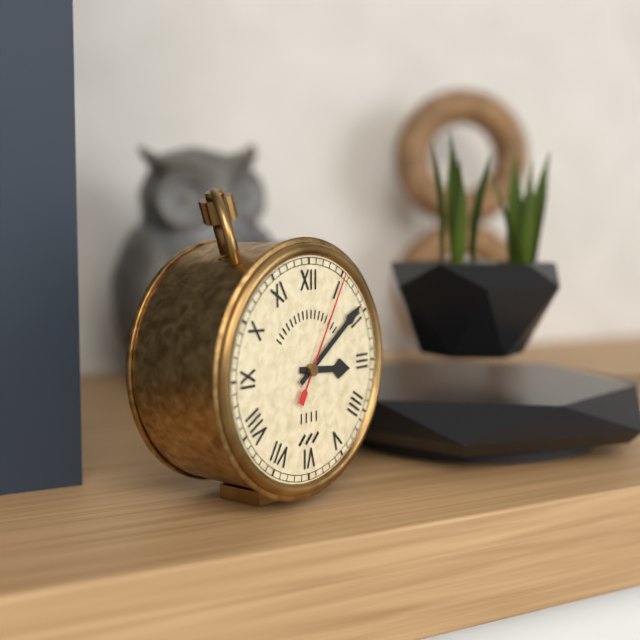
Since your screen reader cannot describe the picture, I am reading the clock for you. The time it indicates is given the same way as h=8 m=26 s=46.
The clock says h=3 m=9 s=5
